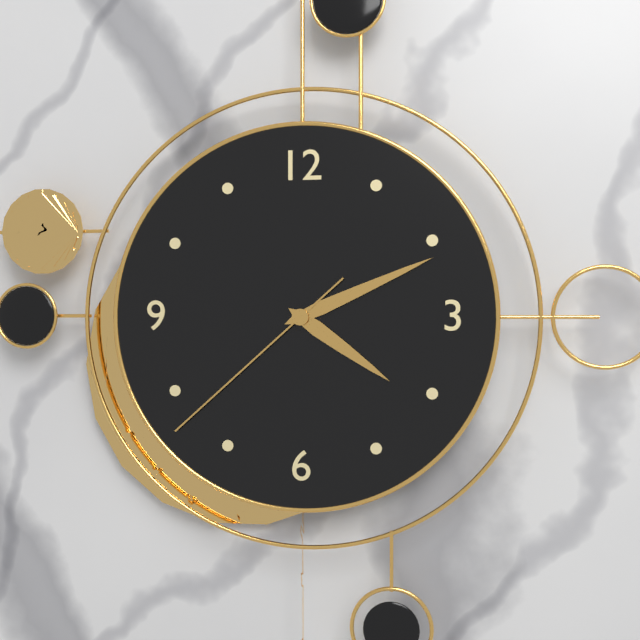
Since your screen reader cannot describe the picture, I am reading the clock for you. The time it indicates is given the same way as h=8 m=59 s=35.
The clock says h=4 m=11 s=38
